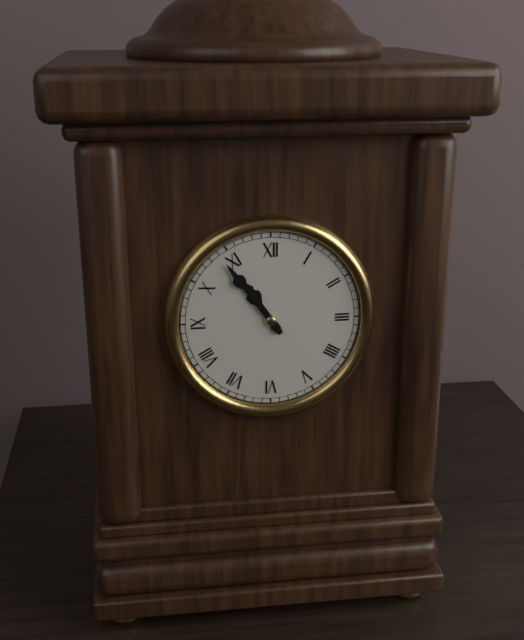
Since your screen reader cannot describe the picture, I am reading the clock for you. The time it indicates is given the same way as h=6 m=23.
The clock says h=10 m=54
